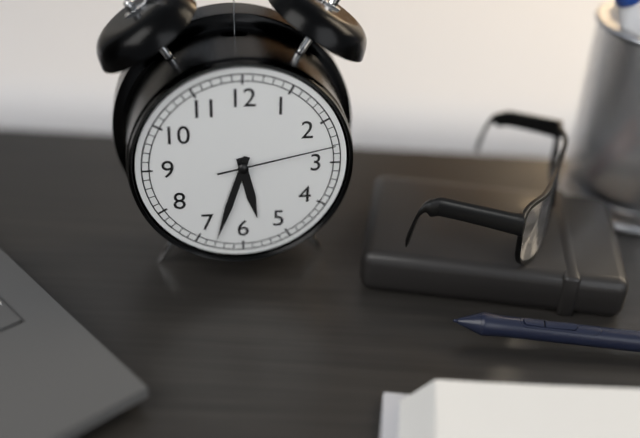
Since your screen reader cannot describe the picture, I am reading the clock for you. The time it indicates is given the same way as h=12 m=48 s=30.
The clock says h=5 m=33 s=13
